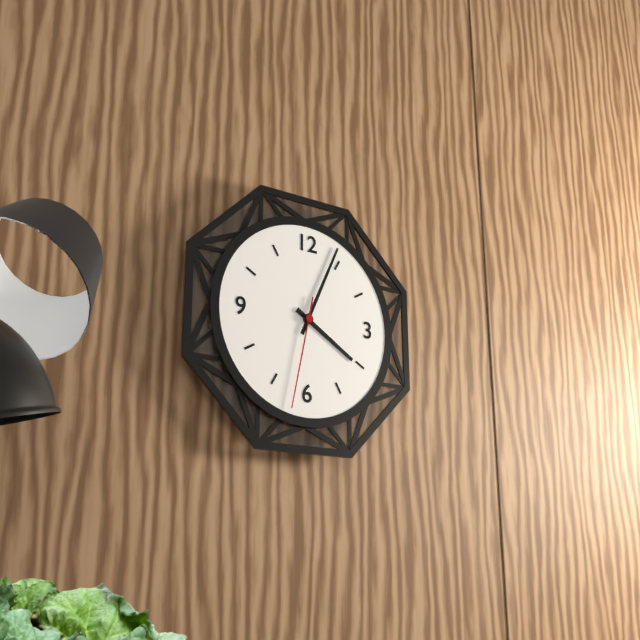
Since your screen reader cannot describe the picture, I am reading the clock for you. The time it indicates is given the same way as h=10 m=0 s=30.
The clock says h=4 m=4 s=32
